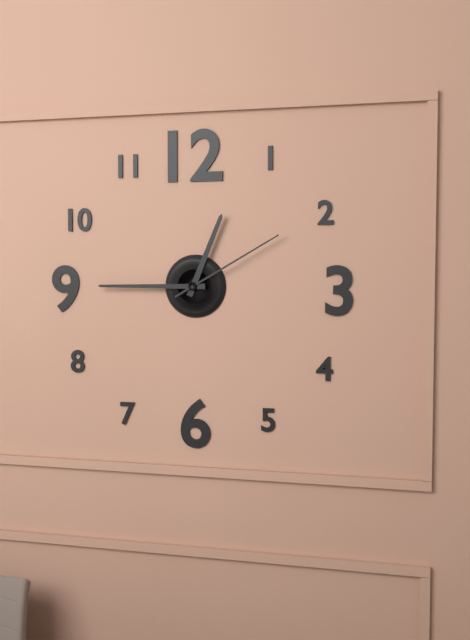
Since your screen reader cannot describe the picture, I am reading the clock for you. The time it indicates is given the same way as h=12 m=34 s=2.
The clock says h=12 m=45 s=10
